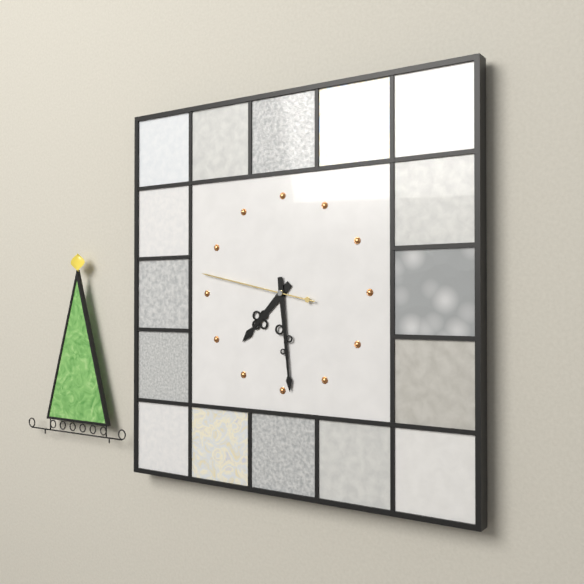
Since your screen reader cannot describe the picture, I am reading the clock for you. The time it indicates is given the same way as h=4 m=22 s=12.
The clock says h=7 m=29 s=47
